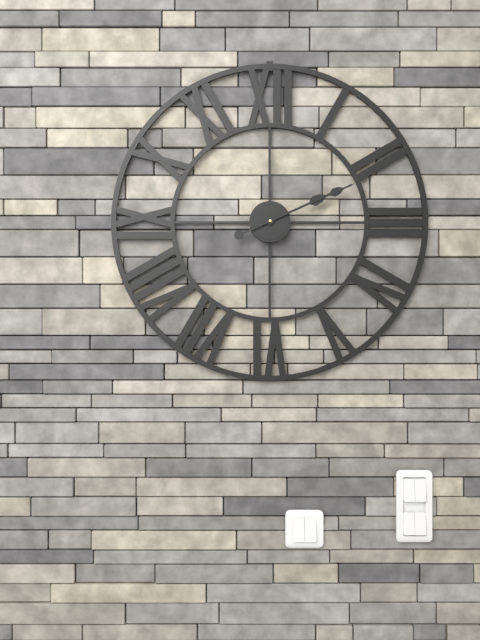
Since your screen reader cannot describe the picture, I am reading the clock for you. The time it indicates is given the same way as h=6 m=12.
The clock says h=2 m=11
